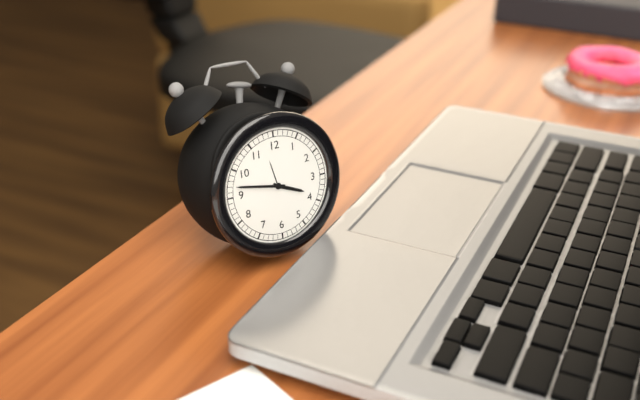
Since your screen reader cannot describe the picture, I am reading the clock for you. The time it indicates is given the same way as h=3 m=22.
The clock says h=3 m=47
